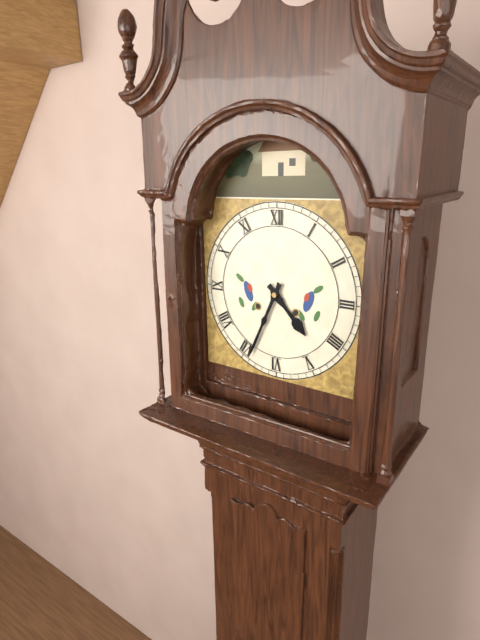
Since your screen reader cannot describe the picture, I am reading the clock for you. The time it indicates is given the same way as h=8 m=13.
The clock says h=4 m=34
